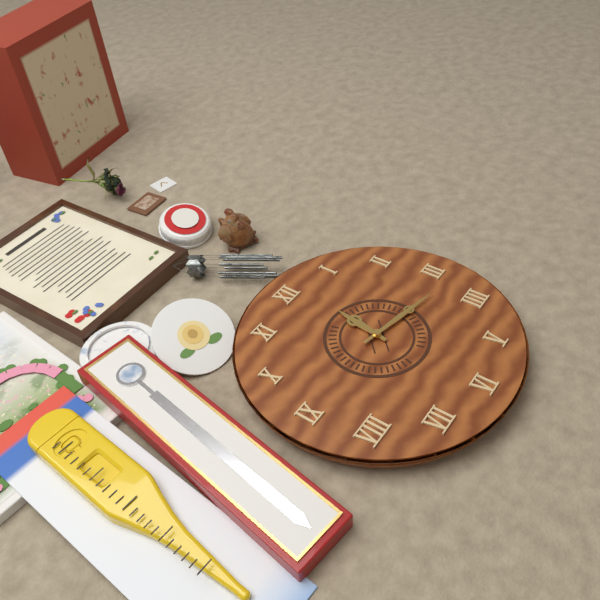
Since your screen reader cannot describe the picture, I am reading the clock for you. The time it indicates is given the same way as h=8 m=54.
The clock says h=12 m=17
